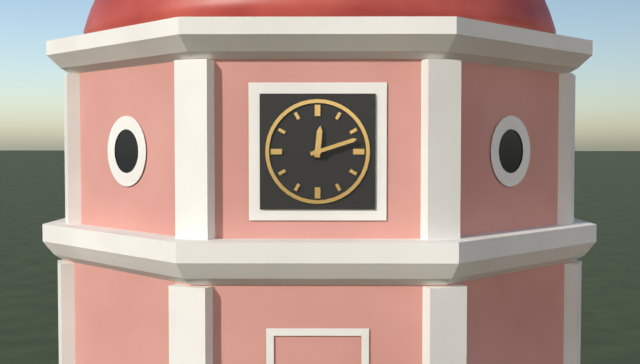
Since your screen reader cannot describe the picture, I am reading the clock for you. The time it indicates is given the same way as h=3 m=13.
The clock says h=12 m=12
